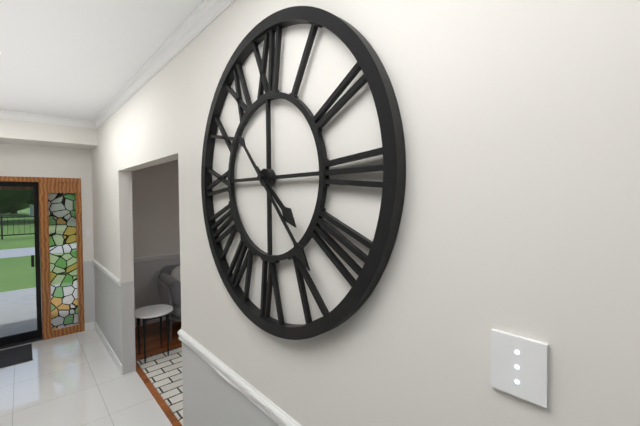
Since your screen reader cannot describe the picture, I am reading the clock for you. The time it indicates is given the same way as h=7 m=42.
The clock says h=4 m=23
